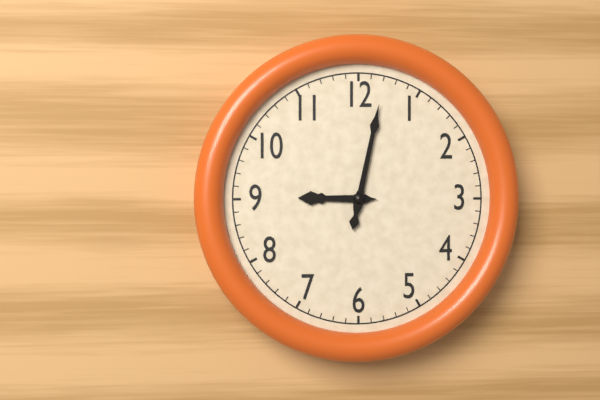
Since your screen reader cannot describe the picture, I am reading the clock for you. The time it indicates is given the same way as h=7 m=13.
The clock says h=9 m=2
